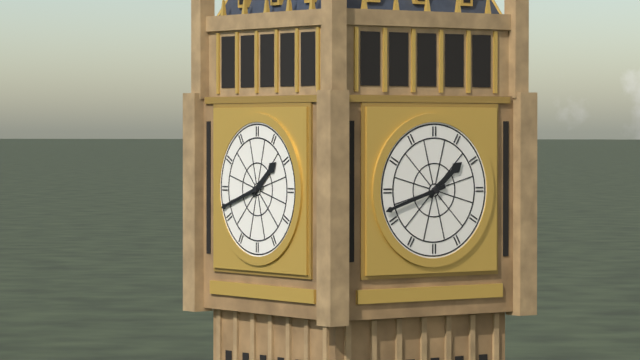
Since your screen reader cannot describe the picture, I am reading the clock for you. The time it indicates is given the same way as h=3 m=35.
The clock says h=1 m=42
